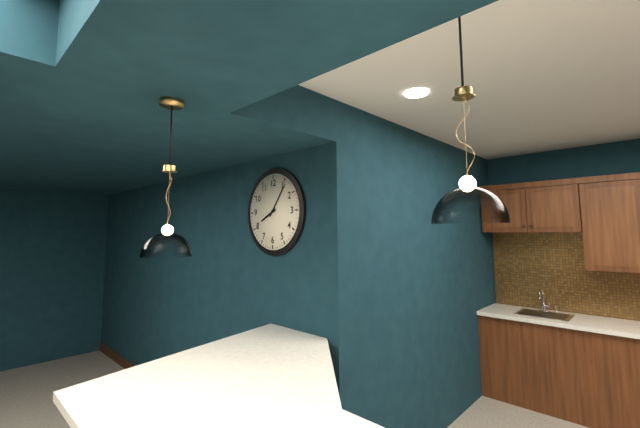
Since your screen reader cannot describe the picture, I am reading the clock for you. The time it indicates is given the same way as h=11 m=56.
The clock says h=8 m=6
